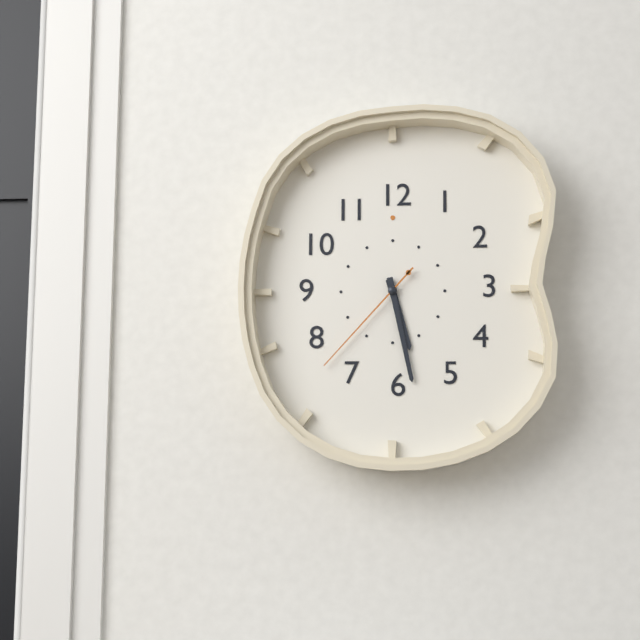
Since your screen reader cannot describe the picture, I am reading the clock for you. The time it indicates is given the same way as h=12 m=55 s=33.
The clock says h=5 m=28 s=37
